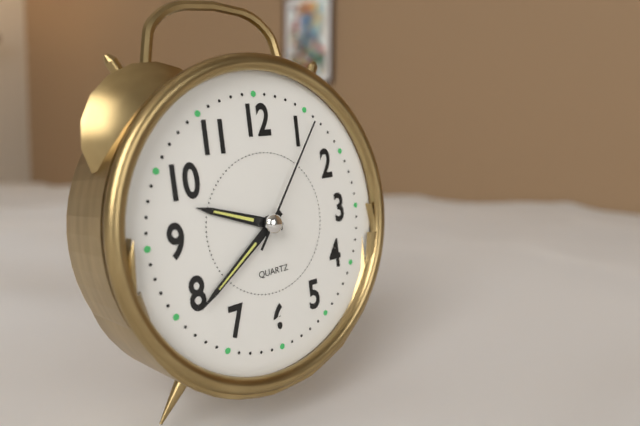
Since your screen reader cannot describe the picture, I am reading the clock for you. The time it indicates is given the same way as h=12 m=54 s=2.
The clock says h=9 m=39 s=6
